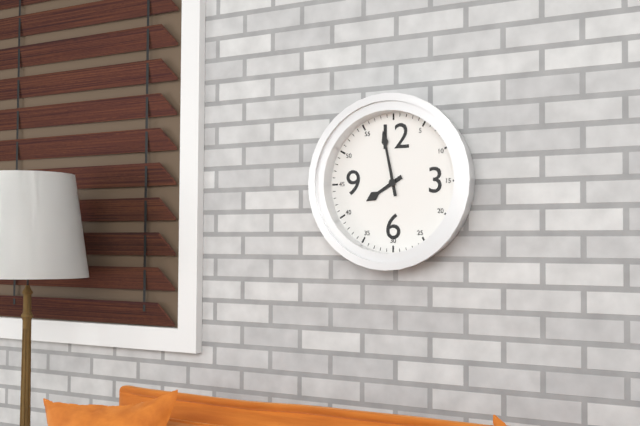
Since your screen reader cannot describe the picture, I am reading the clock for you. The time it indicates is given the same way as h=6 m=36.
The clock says h=7 m=58
